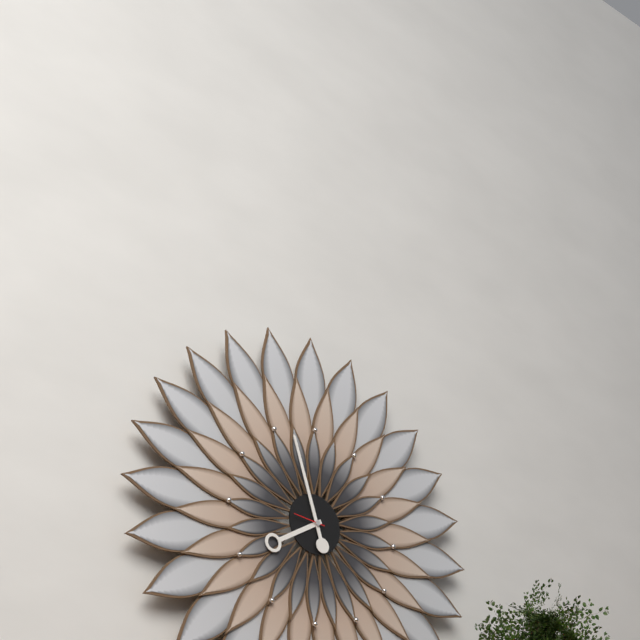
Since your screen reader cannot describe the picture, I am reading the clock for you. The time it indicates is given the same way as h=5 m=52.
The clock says h=7 m=57
